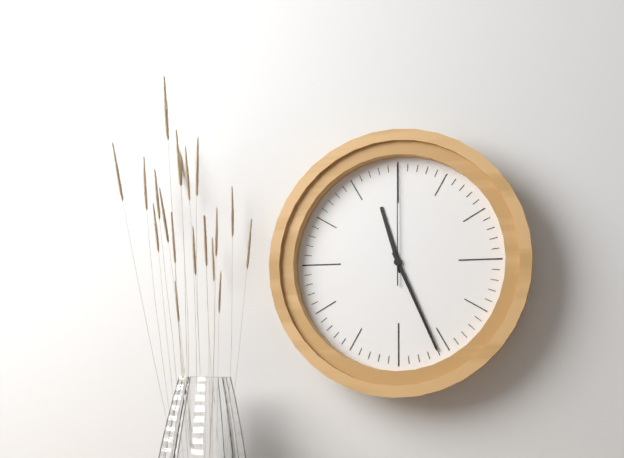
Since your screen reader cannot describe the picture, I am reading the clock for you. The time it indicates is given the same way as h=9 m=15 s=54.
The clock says h=11 m=26 s=0
